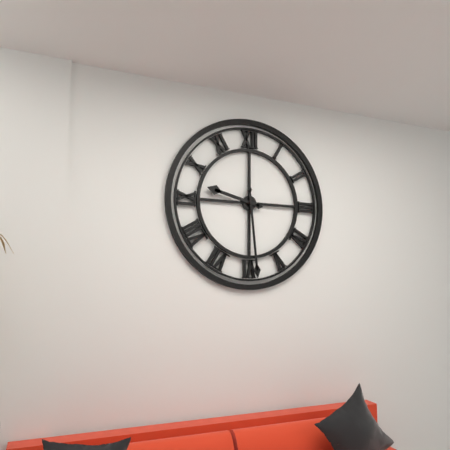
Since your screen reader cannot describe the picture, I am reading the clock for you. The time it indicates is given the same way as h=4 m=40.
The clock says h=9 m=29
